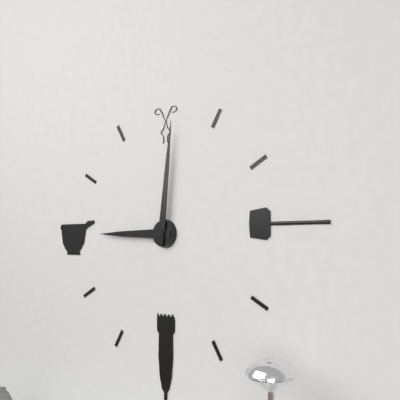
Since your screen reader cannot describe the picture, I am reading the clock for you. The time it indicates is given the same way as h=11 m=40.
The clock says h=9 m=1
